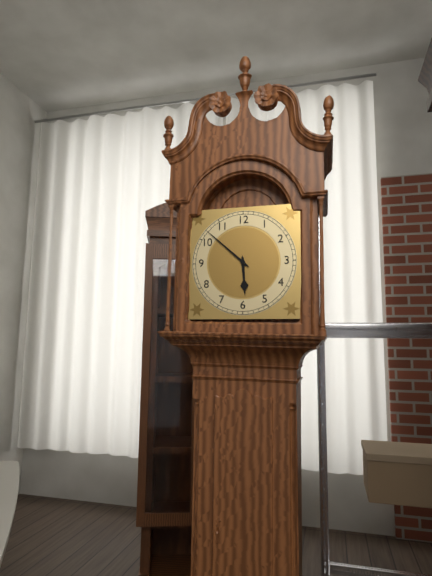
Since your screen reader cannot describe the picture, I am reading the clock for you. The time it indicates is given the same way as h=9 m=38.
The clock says h=5 m=52
